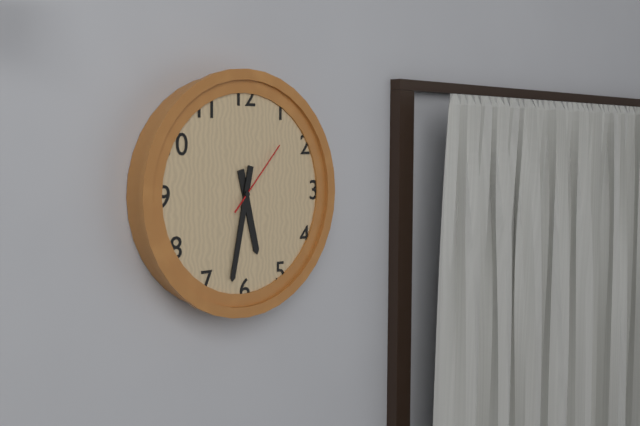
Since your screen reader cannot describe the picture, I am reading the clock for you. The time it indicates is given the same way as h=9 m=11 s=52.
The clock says h=5 m=32 s=7
